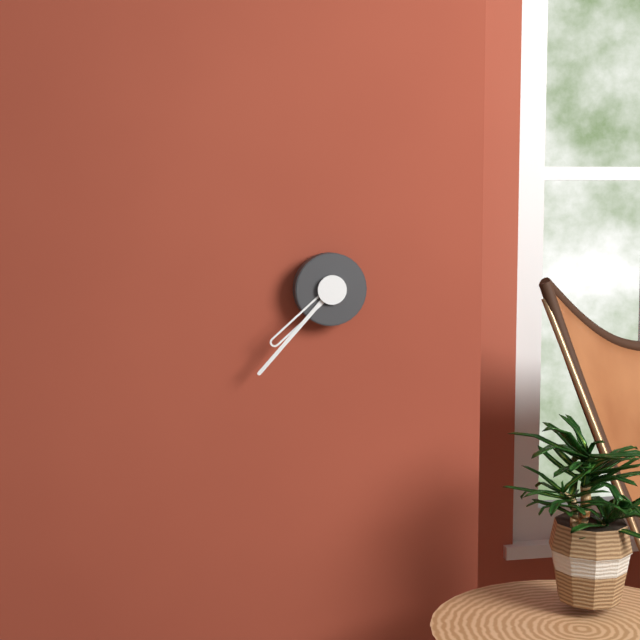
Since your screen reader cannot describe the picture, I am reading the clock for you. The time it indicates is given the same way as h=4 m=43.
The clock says h=7 m=37
